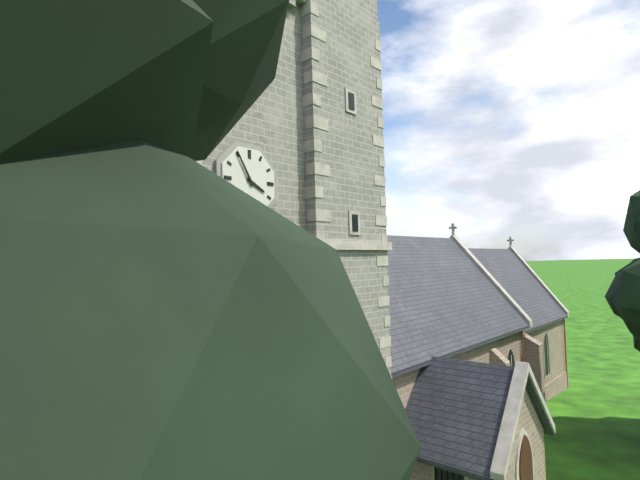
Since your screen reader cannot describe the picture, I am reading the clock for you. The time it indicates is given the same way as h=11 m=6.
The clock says h=3 m=55
